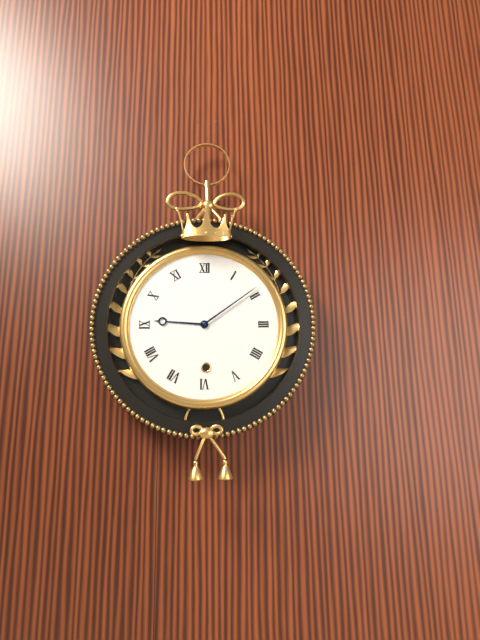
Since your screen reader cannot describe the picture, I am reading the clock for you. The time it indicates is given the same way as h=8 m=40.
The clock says h=9 m=9
